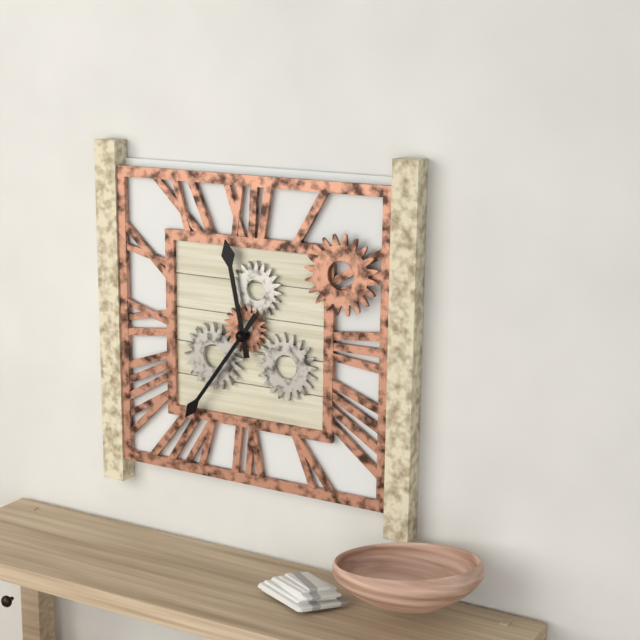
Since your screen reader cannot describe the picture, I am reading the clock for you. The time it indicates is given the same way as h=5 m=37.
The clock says h=11 m=36
